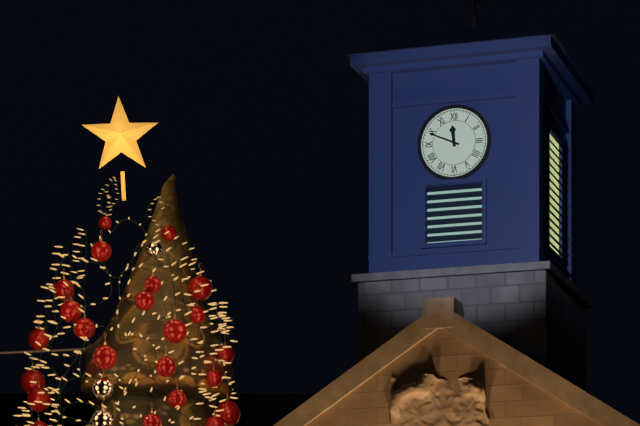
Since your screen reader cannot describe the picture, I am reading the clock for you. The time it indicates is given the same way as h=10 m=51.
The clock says h=11 m=49
